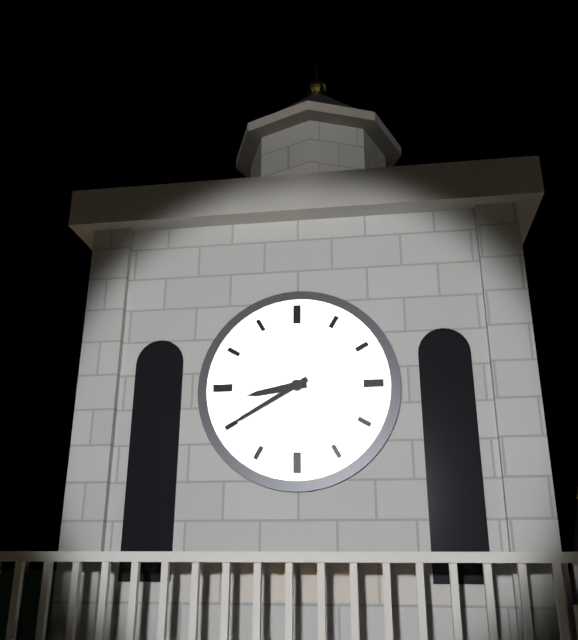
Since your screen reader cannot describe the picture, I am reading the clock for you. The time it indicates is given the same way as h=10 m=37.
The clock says h=8 m=40
